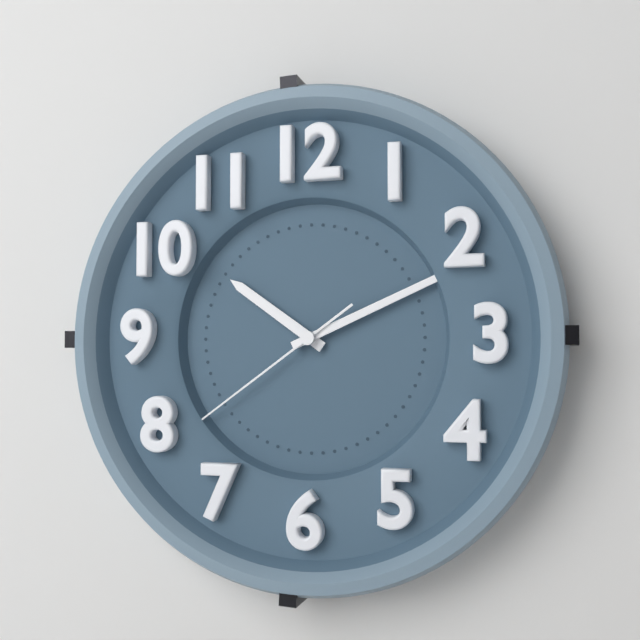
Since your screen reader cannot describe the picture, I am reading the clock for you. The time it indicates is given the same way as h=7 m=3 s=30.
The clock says h=10 m=11 s=39
